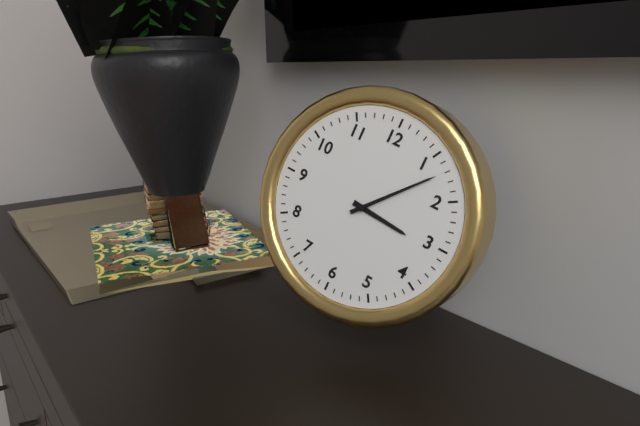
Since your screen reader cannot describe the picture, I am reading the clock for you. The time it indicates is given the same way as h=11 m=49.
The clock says h=3 m=7
